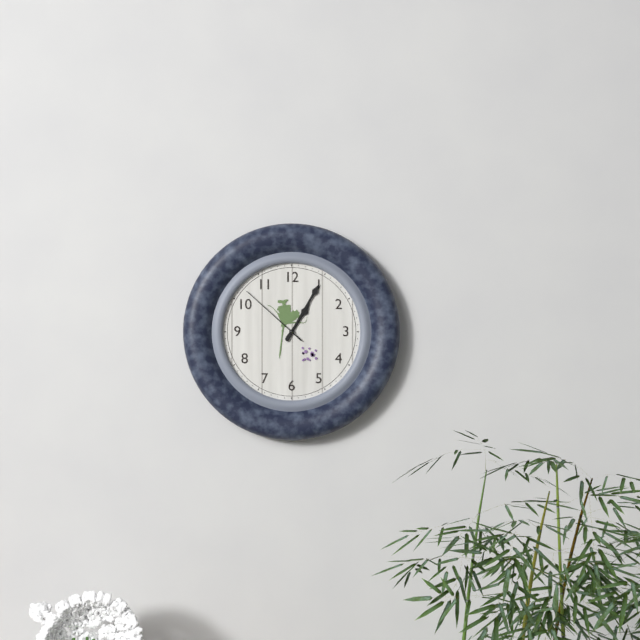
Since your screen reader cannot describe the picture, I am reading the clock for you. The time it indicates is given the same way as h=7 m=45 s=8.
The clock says h=1 m=5 s=52
